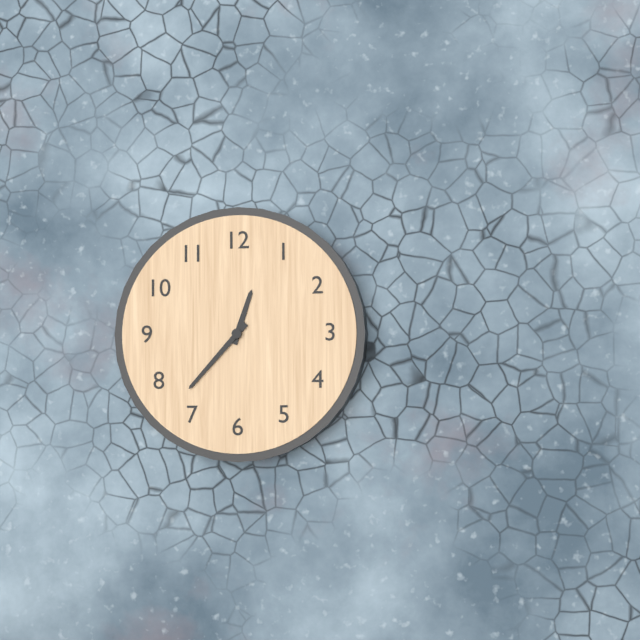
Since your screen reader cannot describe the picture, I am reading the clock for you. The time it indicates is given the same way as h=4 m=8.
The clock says h=12 m=37
